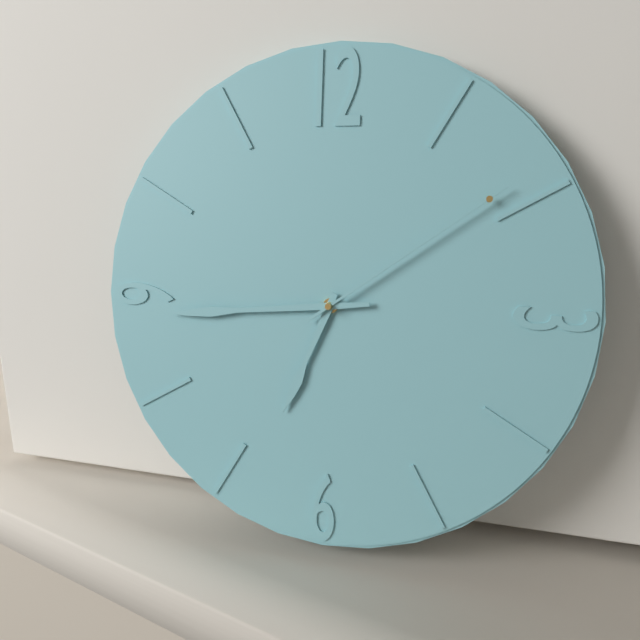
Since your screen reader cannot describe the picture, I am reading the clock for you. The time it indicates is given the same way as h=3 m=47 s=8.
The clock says h=6 m=44 s=9
